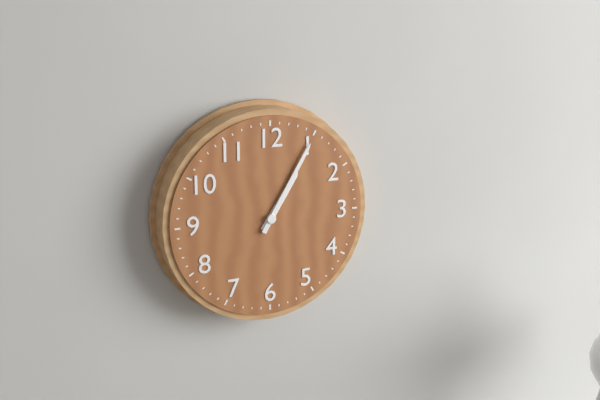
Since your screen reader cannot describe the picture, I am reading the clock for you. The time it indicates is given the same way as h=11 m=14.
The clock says h=1 m=5
